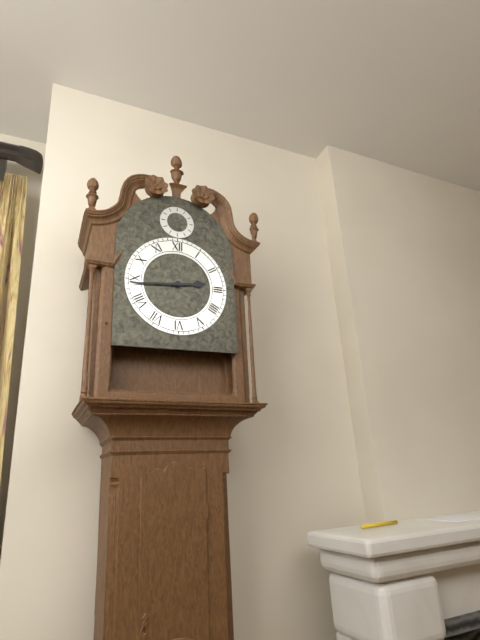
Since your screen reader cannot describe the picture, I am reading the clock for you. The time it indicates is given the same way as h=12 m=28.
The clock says h=2 m=44
